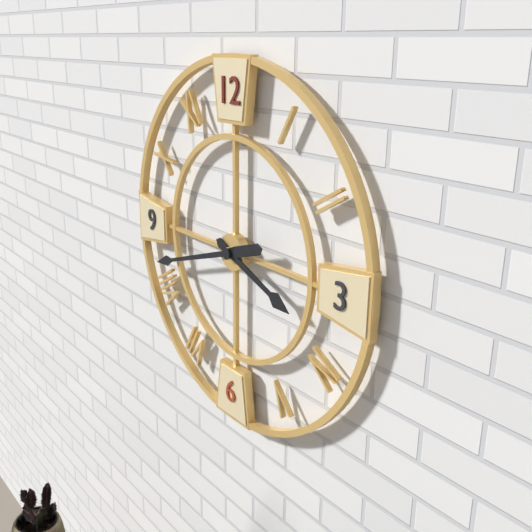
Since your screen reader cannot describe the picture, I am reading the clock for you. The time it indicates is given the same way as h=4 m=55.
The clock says h=3 m=42
